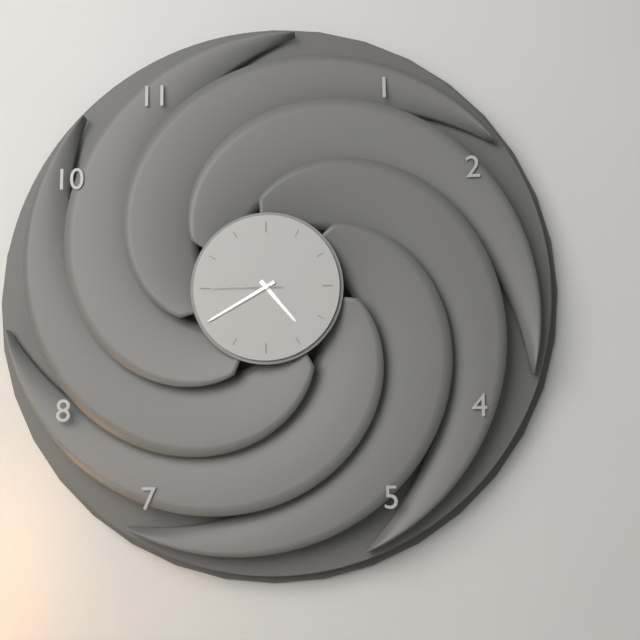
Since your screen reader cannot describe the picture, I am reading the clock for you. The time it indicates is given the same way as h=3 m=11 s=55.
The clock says h=4 m=40 s=45
